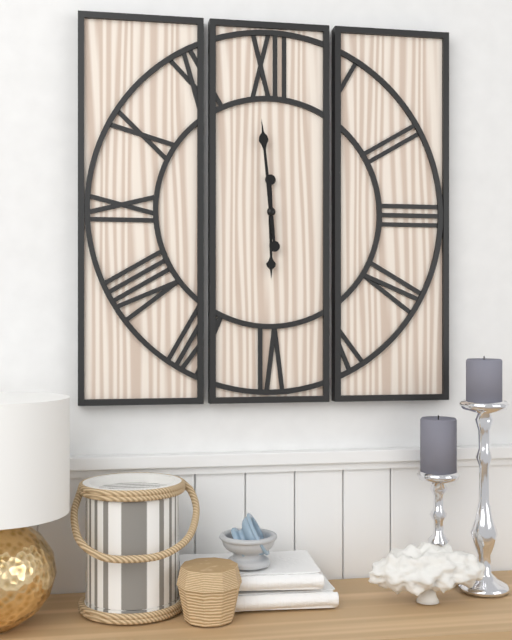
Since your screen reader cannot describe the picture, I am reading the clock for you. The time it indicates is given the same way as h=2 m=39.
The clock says h=5 m=59
